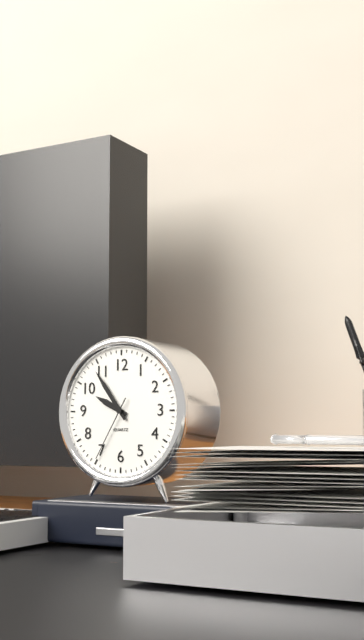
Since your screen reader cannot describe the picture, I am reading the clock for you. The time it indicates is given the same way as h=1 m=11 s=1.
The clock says h=9 m=54 s=35
